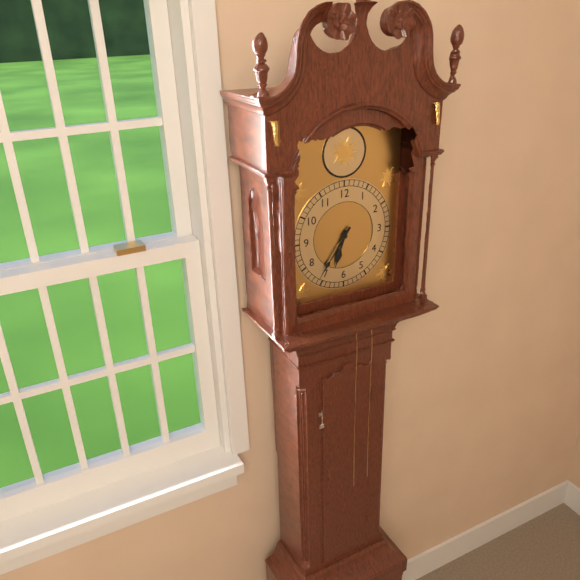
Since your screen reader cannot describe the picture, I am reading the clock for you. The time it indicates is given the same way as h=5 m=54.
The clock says h=6 m=36
